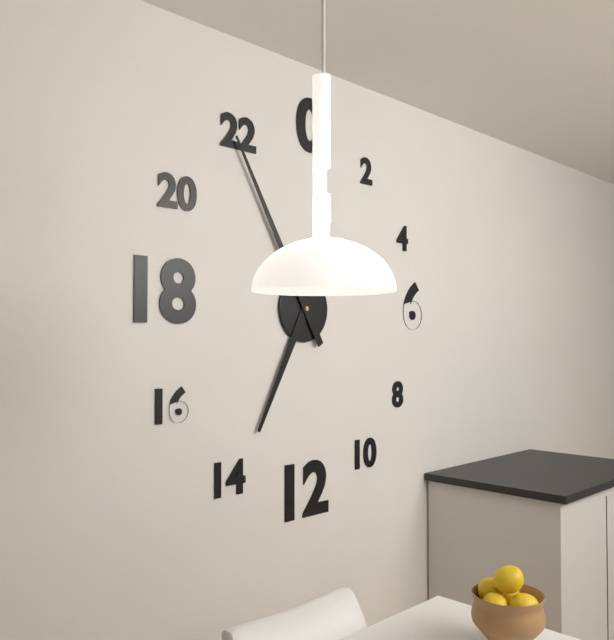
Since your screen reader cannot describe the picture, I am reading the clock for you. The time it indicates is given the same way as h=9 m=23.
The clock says h=6 m=55
